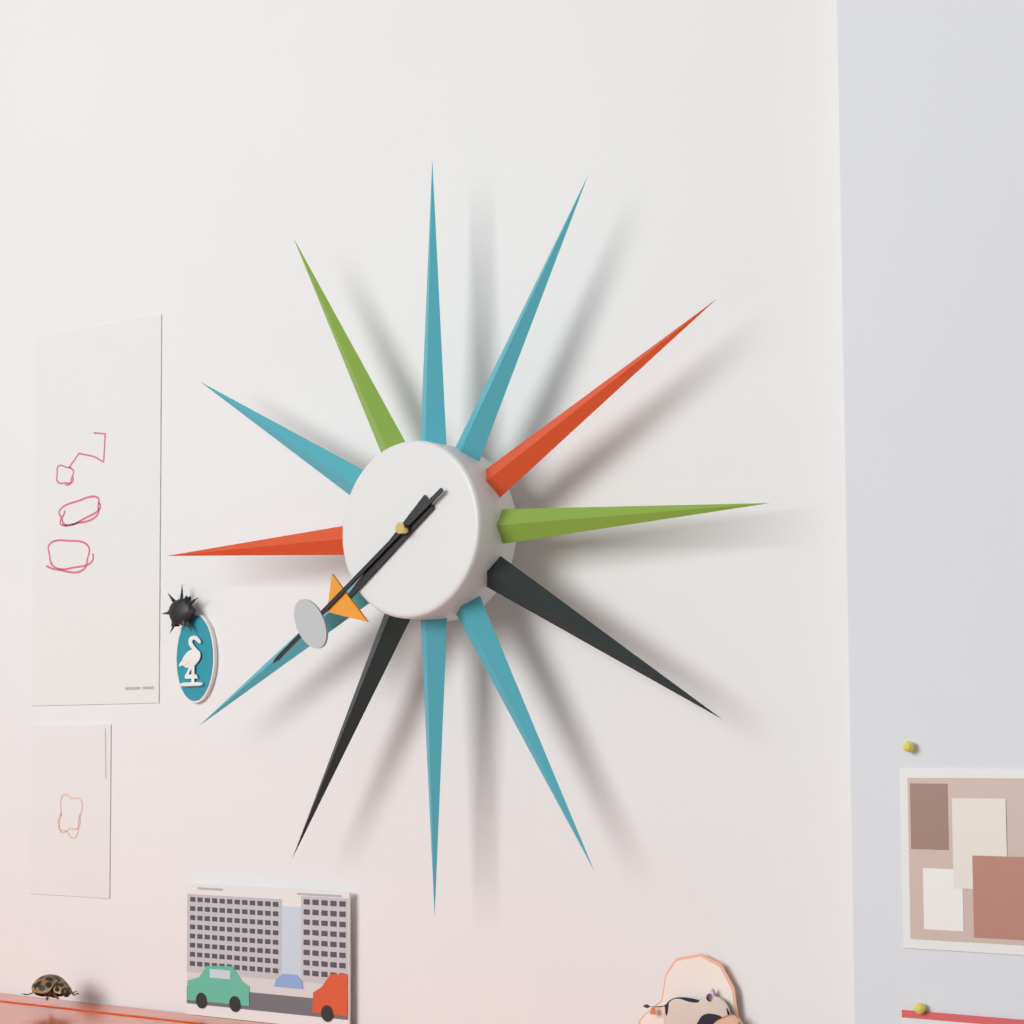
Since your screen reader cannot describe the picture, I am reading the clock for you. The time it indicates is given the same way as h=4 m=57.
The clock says h=7 m=39
